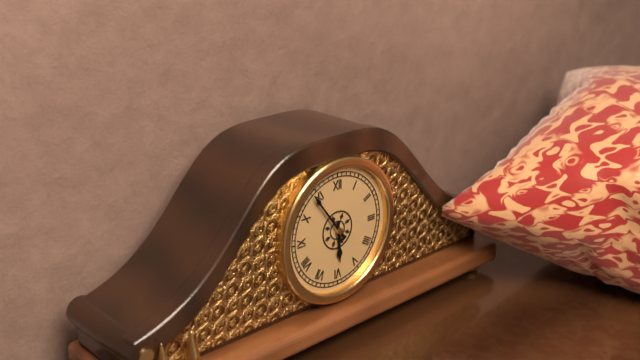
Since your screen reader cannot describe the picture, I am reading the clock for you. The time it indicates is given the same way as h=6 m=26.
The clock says h=5 m=54
